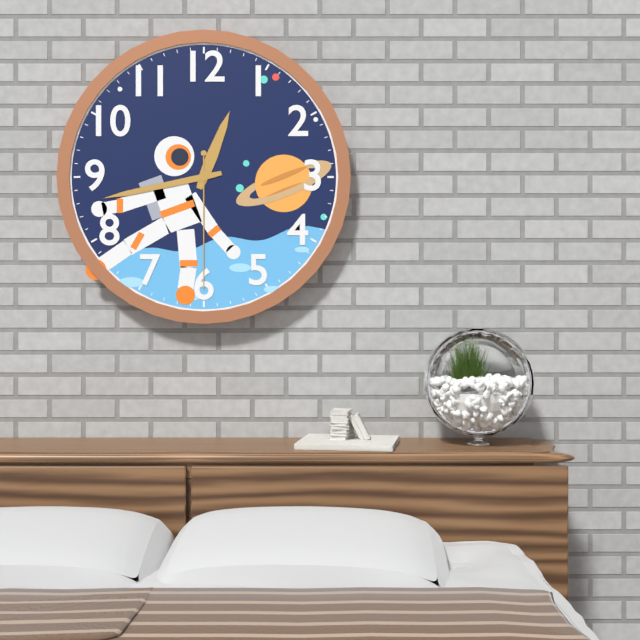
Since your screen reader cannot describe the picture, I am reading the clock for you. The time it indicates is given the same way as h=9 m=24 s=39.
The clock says h=12 m=43 s=30
